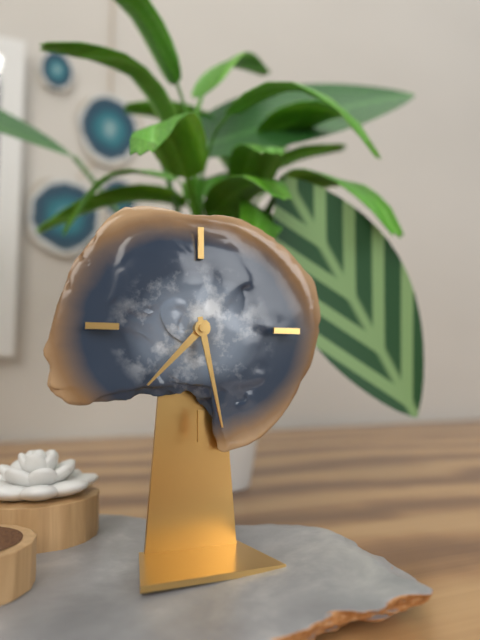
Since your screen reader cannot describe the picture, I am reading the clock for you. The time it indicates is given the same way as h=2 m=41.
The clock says h=7 m=28
